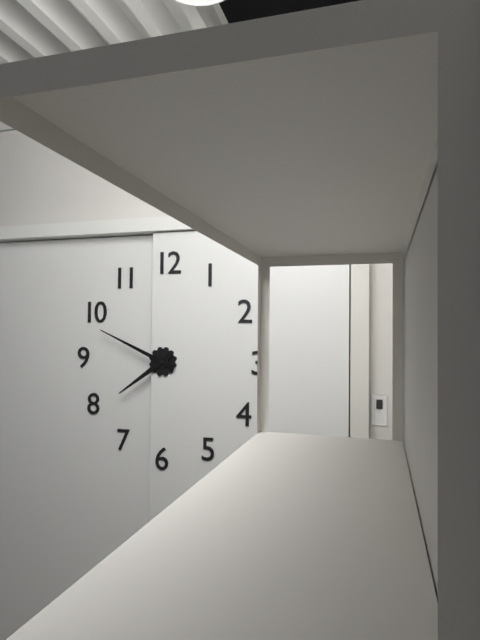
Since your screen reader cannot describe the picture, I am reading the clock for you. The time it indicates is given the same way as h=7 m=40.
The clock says h=7 m=49
